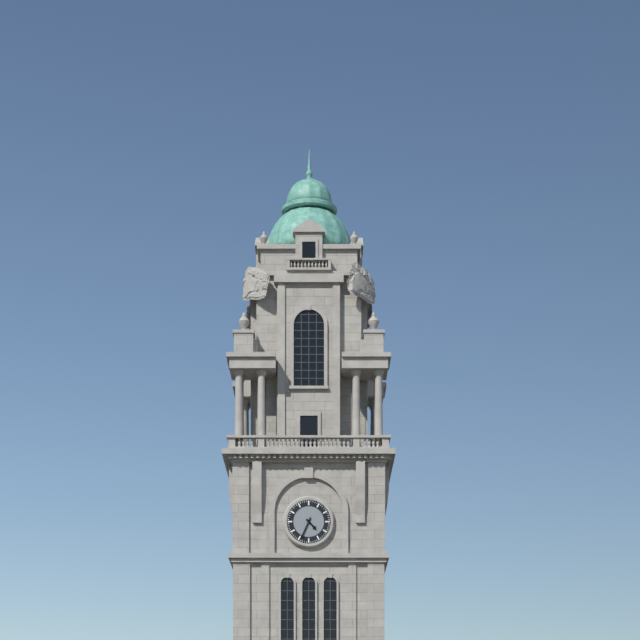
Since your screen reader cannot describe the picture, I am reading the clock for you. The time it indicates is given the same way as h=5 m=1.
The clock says h=4 m=34
